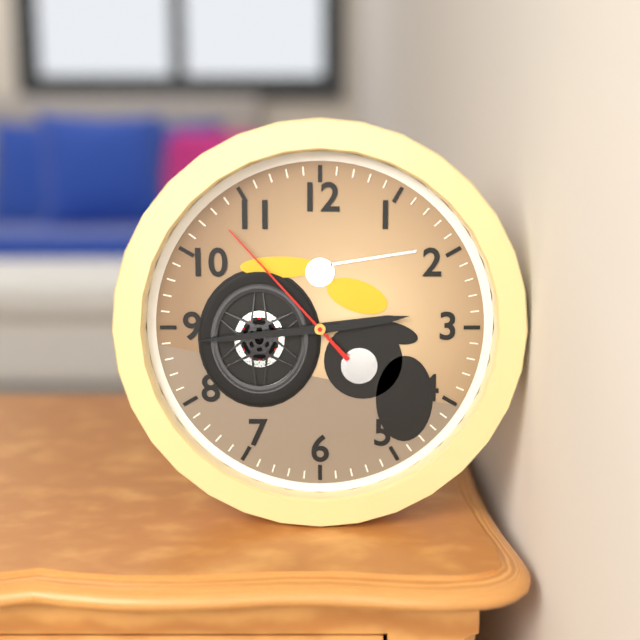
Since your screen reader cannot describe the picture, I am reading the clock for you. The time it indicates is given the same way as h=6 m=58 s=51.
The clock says h=2 m=44 s=53
